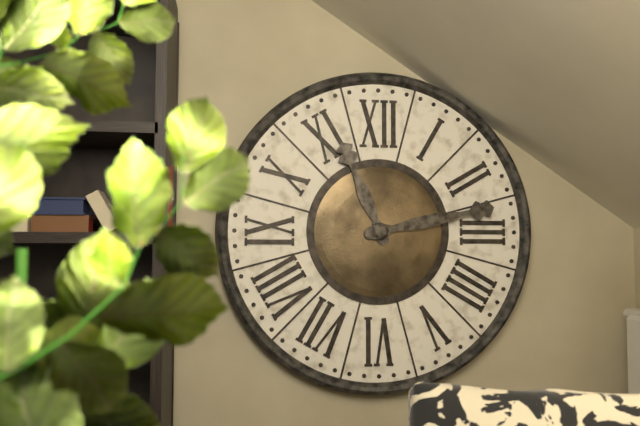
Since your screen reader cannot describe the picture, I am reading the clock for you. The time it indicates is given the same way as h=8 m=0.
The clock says h=11 m=13
